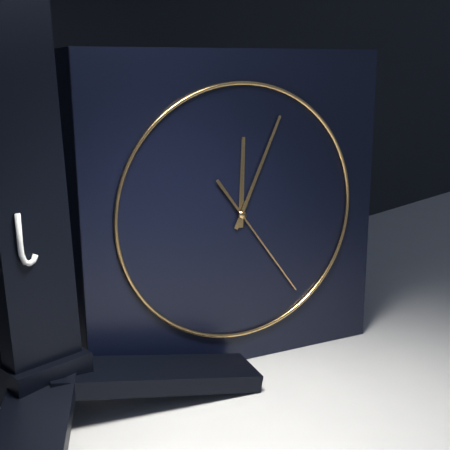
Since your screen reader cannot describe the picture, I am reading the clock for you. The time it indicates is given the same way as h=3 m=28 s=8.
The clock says h=12 m=4 s=24
